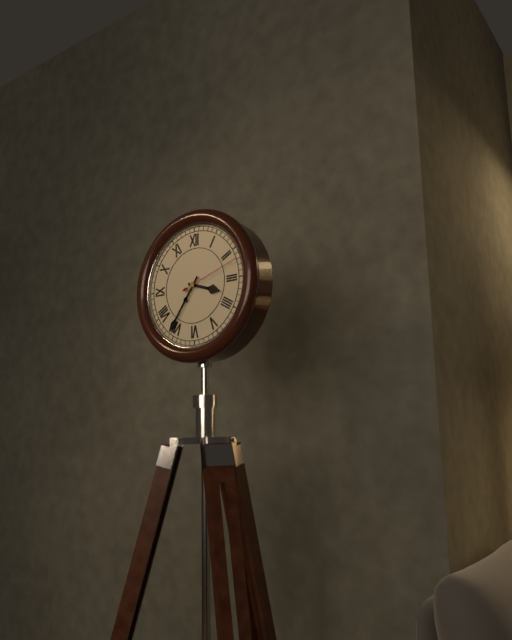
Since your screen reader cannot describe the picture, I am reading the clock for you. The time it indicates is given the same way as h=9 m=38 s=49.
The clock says h=3 m=36 s=12
